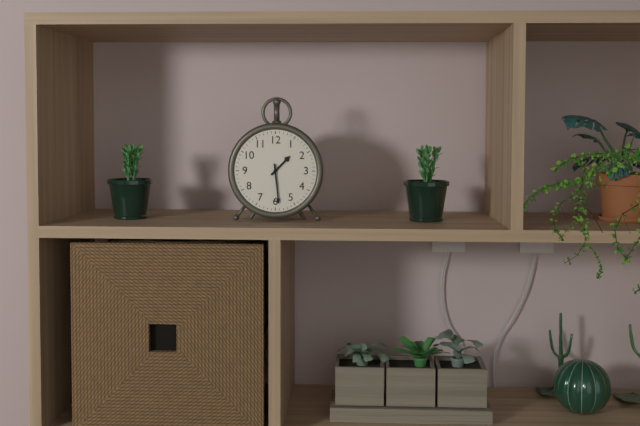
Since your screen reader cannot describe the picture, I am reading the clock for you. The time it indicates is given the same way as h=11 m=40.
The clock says h=1 m=29
